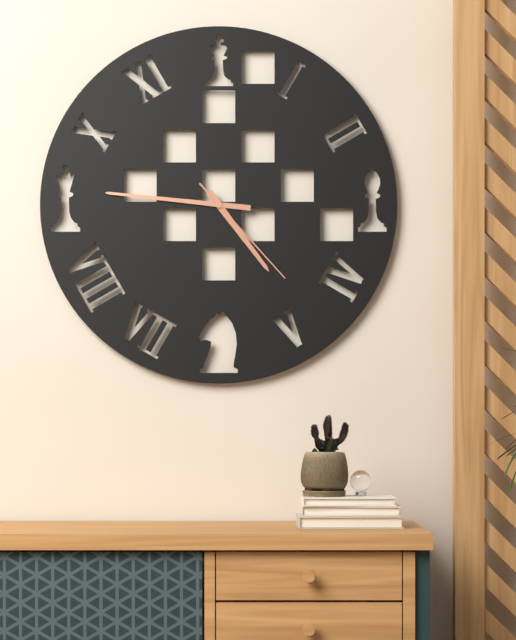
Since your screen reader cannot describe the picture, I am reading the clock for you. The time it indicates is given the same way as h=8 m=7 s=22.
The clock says h=4 m=46 s=23
